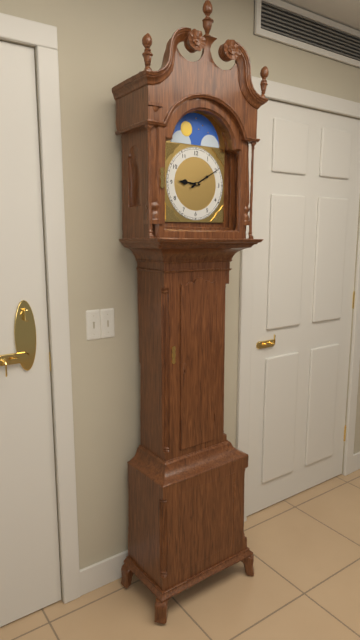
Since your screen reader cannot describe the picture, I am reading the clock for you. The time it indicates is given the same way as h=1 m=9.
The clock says h=9 m=10
